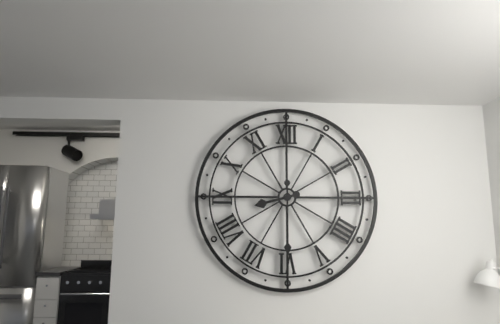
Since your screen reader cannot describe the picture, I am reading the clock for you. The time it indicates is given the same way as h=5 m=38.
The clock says h=8 m=30
